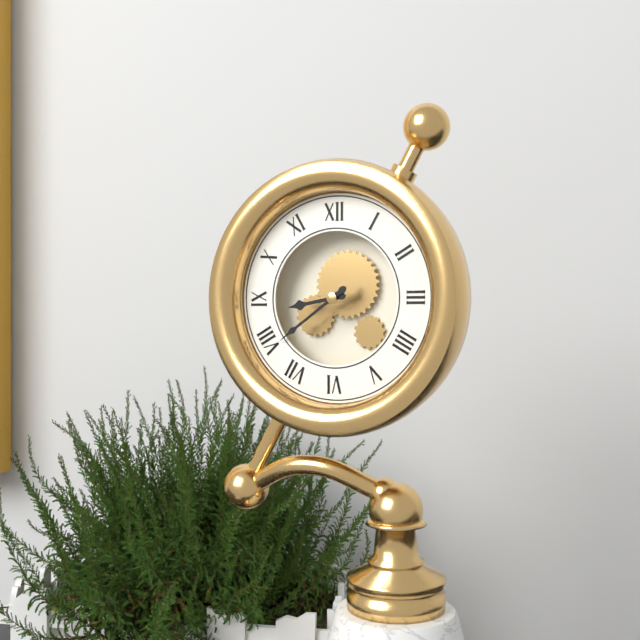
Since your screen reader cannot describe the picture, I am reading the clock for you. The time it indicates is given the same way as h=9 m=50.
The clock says h=8 m=39
